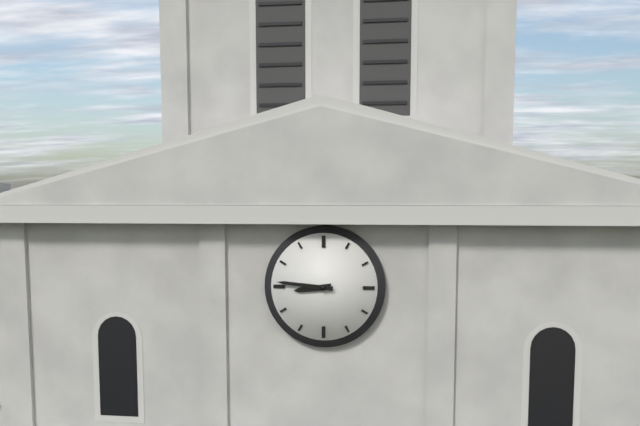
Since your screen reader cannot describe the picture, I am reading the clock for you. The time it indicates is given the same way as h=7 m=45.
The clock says h=8 m=46
